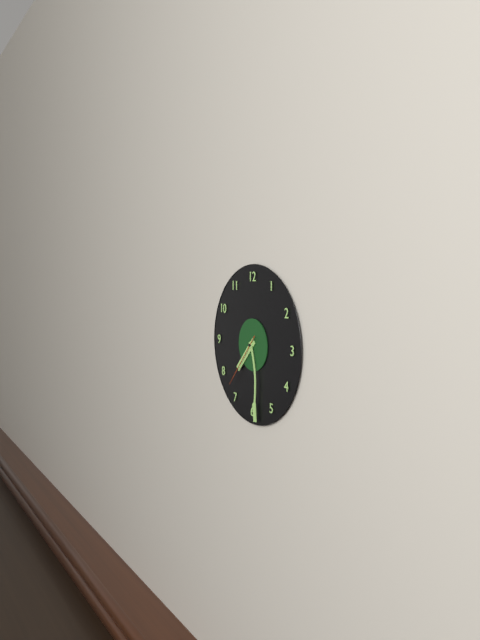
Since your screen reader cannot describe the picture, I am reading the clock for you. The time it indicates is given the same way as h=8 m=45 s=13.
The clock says h=7 m=29 s=37
